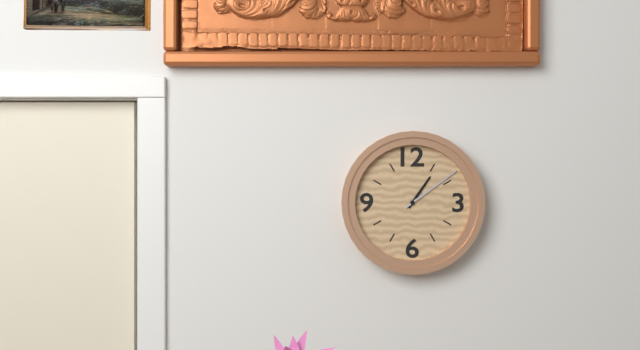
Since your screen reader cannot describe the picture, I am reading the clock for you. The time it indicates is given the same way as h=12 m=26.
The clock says h=1 m=9
